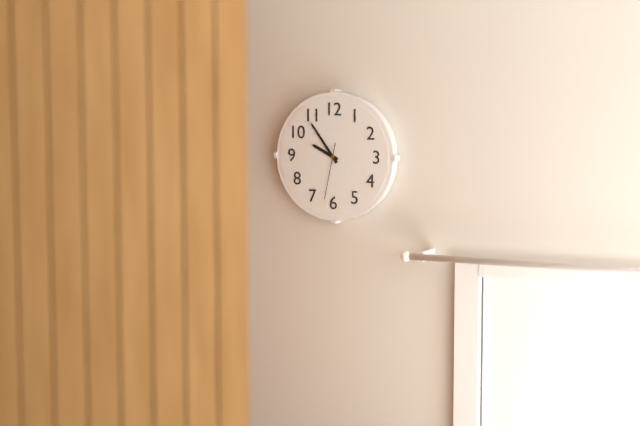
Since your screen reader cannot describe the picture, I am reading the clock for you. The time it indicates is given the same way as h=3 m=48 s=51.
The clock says h=9 m=54 s=32
